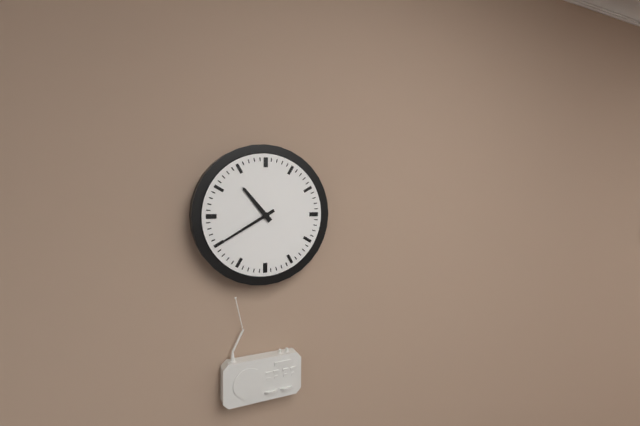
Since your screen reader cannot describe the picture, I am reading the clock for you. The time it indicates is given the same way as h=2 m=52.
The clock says h=10 m=40
